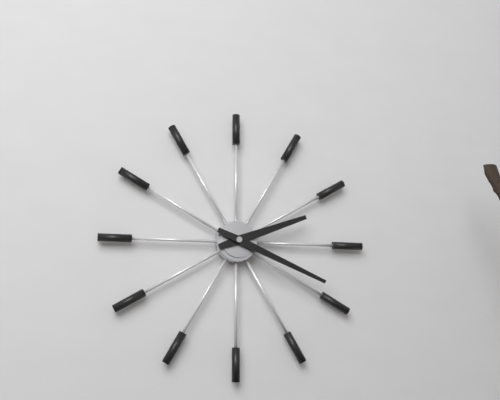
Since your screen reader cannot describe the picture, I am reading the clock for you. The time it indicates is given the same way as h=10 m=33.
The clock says h=2 m=19
